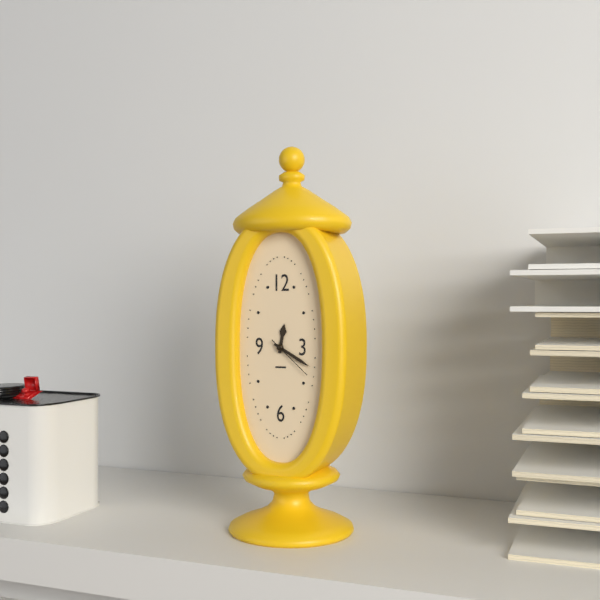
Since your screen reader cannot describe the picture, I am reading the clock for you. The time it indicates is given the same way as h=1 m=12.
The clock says h=12 m=20
